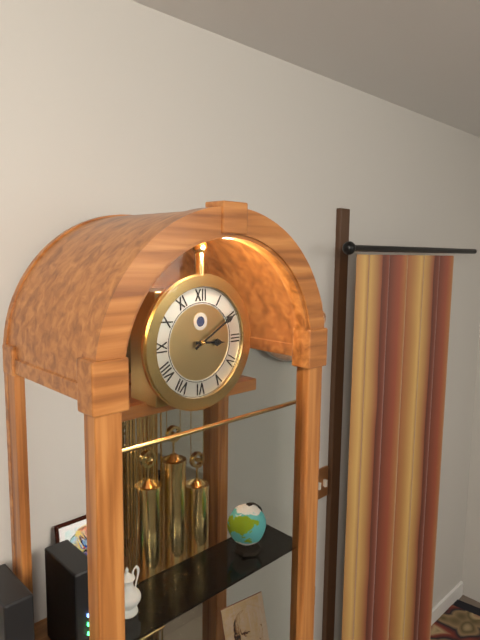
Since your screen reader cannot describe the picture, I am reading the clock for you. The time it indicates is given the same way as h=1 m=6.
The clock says h=3 m=10
